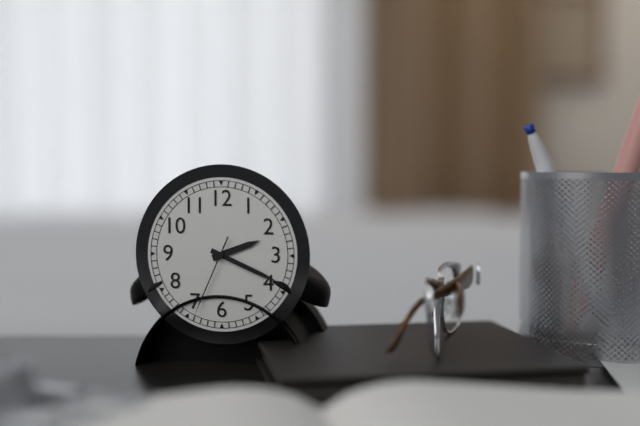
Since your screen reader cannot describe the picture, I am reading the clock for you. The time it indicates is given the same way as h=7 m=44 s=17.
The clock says h=2 m=19 s=34
